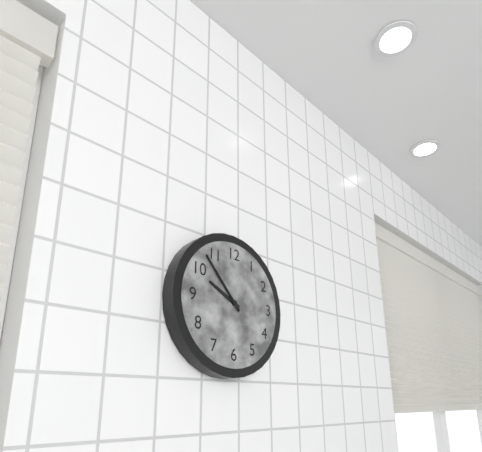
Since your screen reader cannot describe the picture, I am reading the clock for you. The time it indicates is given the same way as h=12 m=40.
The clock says h=9 m=53
